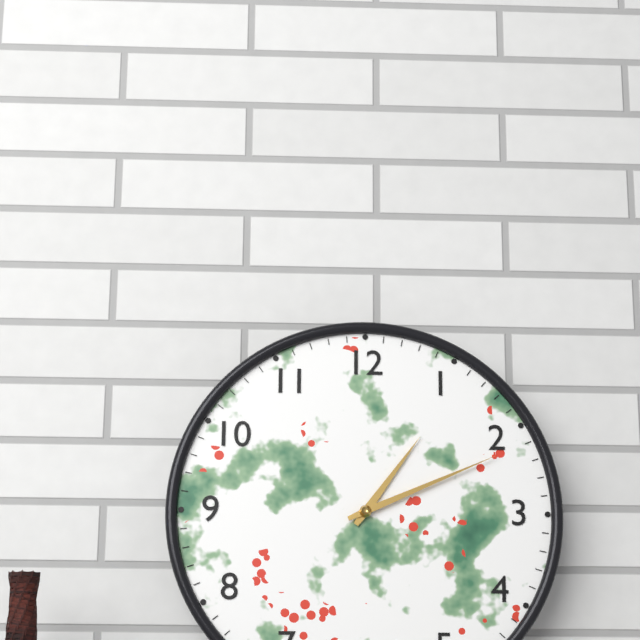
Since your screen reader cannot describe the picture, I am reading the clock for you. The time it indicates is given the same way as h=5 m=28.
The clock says h=1 m=11
